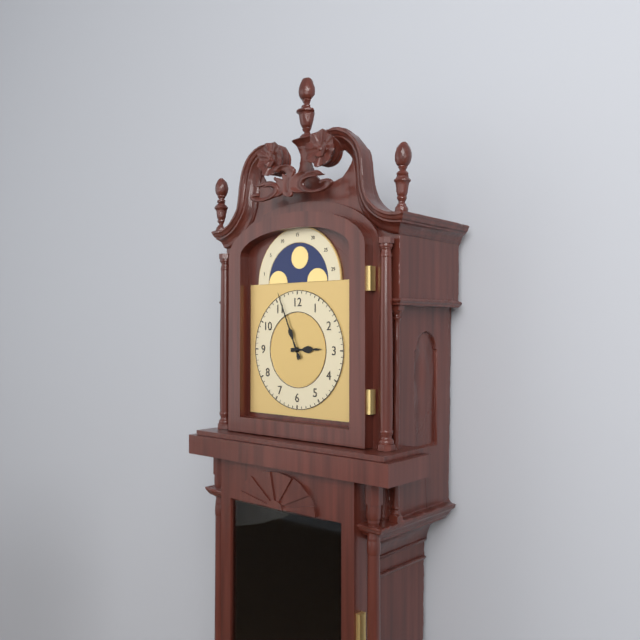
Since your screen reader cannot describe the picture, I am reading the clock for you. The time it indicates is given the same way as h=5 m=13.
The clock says h=2 m=56
